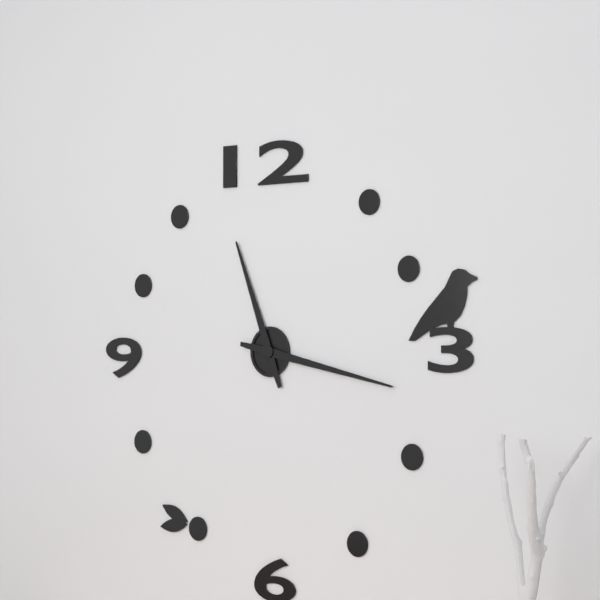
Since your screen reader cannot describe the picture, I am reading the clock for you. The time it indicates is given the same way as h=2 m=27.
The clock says h=11 m=17
